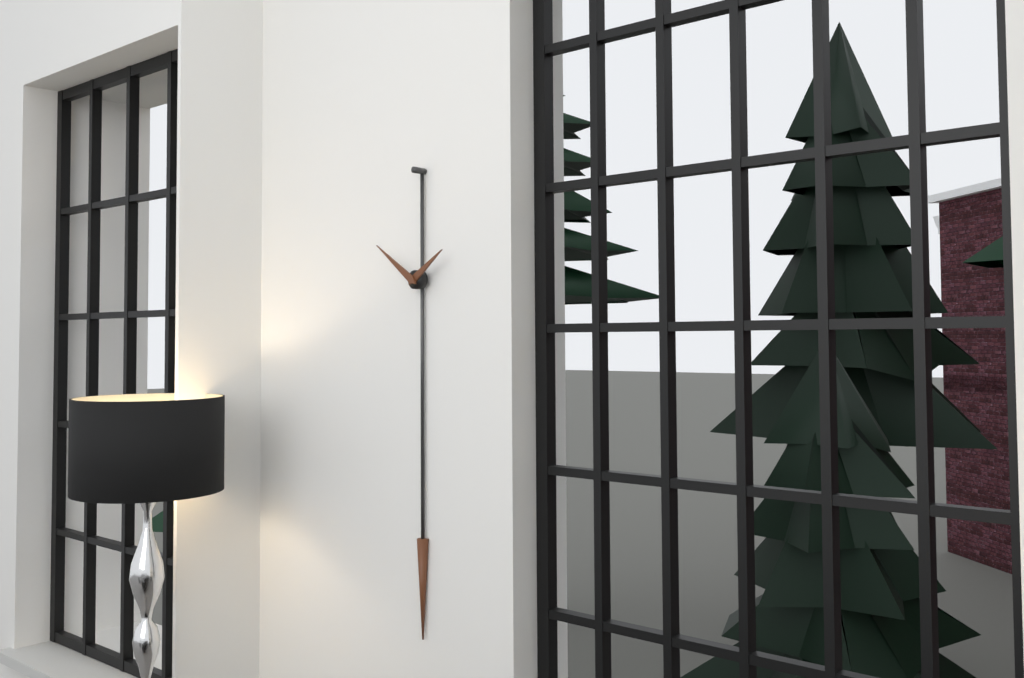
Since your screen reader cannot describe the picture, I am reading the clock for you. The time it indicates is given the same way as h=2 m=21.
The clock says h=1 m=51
